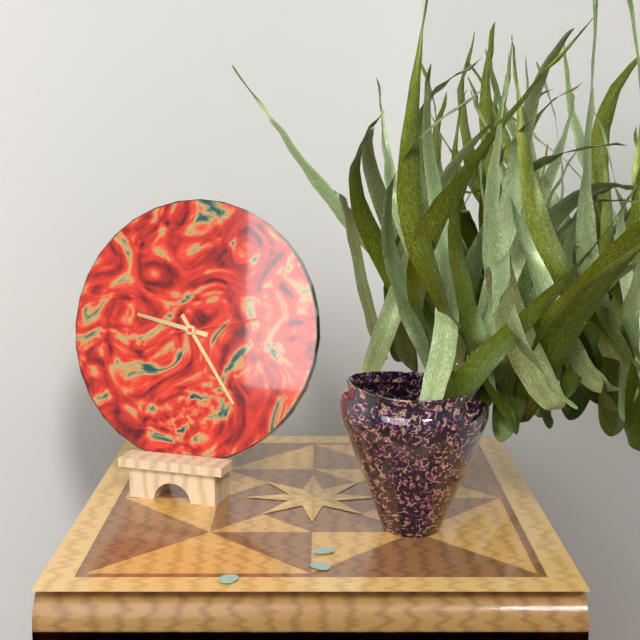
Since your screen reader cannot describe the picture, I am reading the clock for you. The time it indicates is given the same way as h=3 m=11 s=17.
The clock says h=9 m=24 s=13
